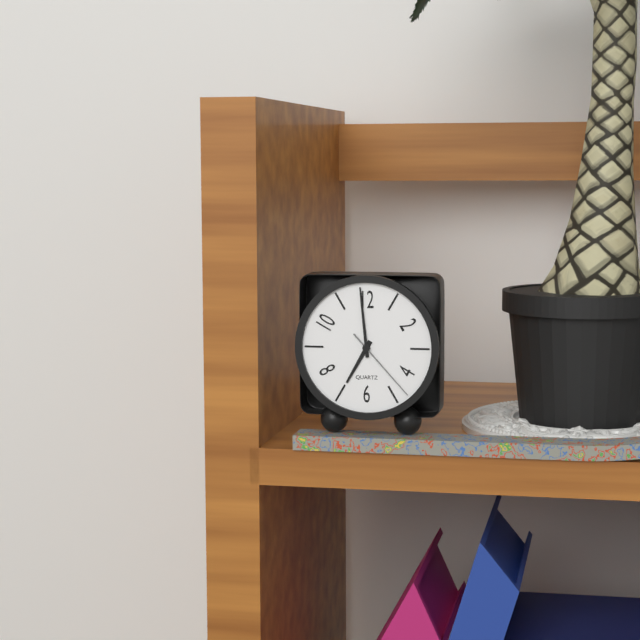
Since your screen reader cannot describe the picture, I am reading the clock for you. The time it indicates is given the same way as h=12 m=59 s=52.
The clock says h=6 m=59 s=23
